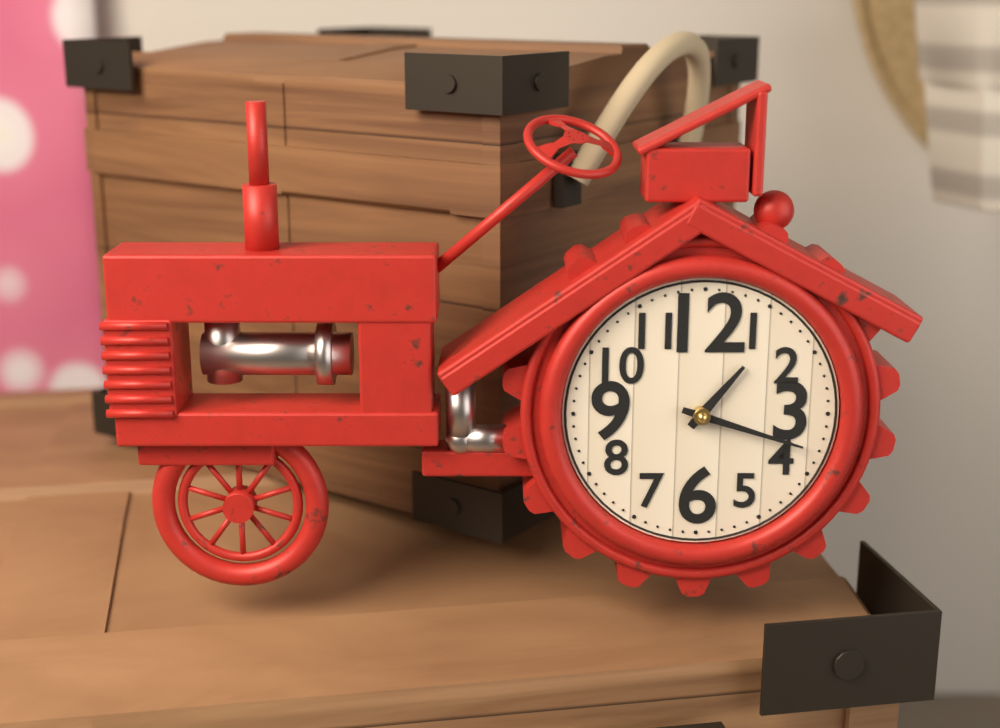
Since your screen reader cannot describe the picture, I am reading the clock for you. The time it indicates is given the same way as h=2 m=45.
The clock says h=1 m=18
